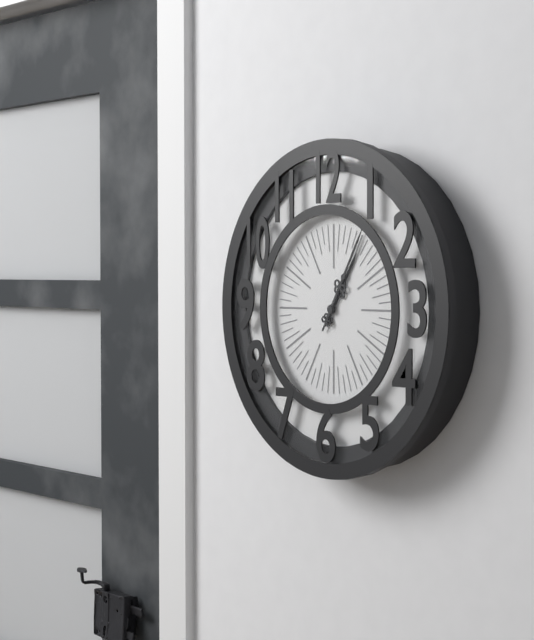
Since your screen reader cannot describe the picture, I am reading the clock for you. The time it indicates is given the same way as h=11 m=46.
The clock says h=1 m=5
